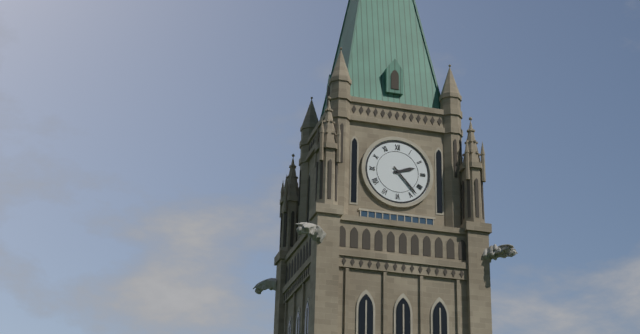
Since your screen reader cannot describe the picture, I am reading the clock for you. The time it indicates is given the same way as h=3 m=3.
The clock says h=2 m=23
